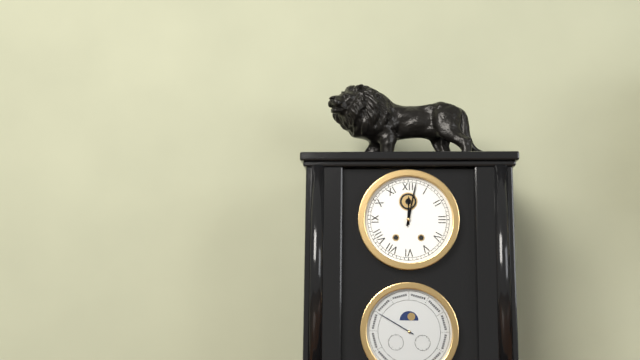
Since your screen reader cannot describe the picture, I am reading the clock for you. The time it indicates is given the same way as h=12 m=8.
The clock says h=12 m=2
